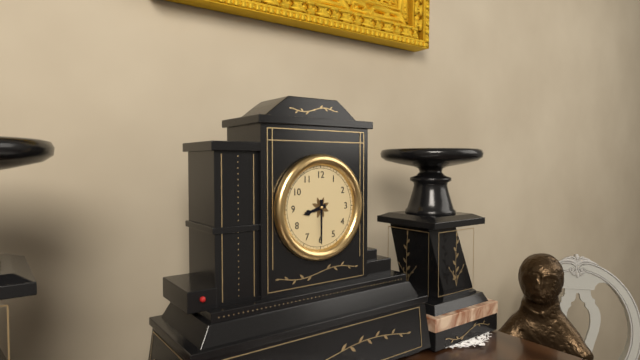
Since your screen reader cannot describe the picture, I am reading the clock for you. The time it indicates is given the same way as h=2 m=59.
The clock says h=8 m=30
